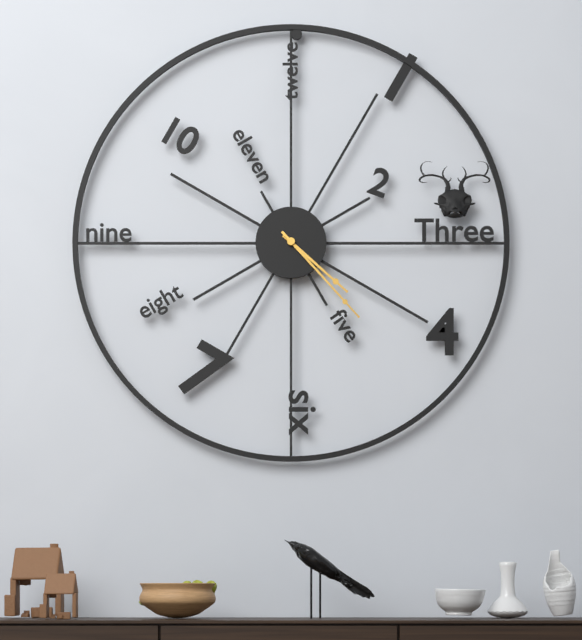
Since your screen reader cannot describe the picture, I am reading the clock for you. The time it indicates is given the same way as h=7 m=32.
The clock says h=4 m=23
